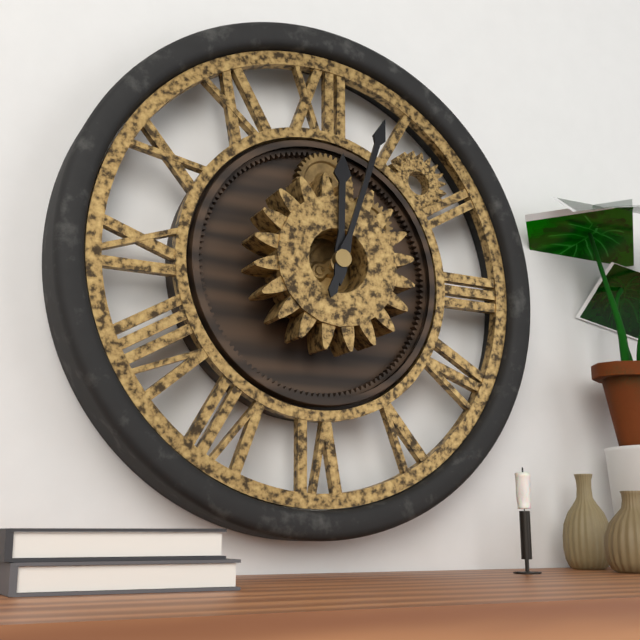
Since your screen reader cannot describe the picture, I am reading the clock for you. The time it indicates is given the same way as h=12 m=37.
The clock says h=12 m=3
